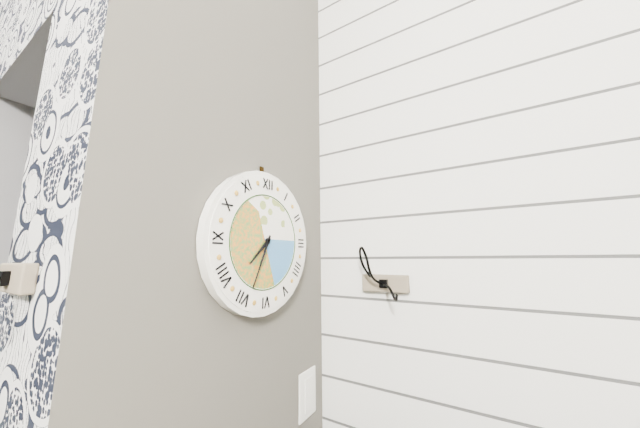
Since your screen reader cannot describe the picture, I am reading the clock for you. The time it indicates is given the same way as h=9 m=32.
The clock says h=7 m=34
